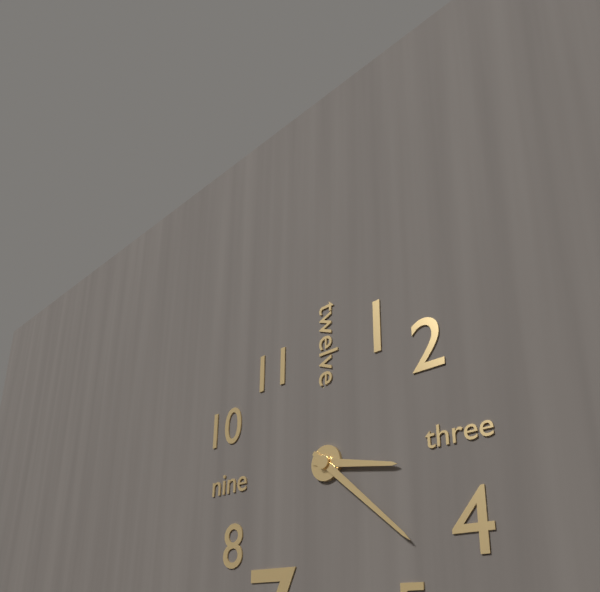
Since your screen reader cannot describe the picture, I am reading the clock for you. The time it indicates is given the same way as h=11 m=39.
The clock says h=3 m=22
